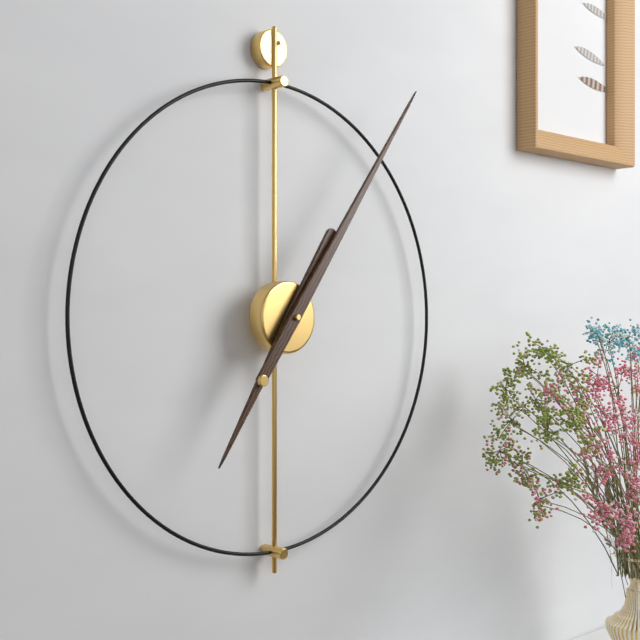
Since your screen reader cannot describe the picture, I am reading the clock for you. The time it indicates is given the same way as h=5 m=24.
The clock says h=7 m=6
